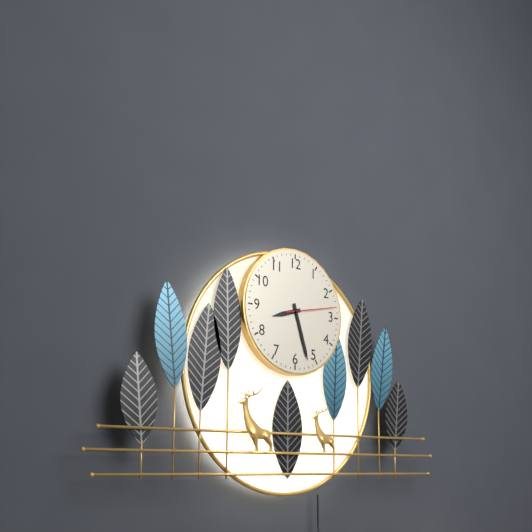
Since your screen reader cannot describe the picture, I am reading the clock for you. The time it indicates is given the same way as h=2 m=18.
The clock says h=8 m=27
